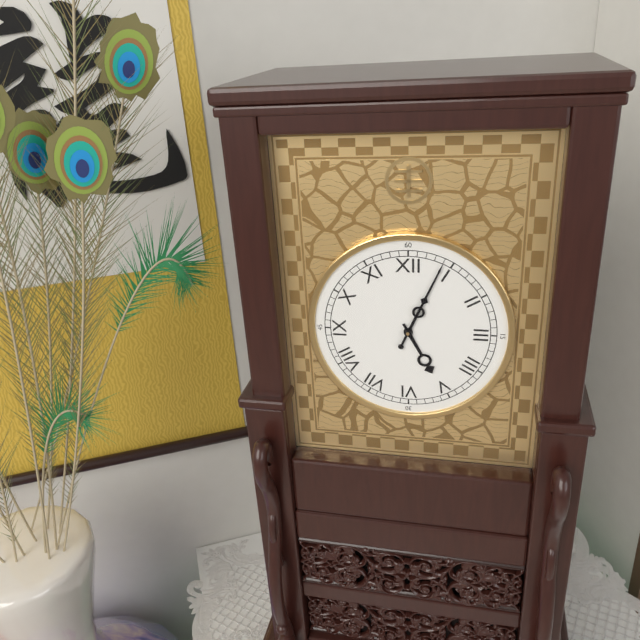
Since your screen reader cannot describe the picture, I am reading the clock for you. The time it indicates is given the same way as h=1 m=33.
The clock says h=5 m=4
